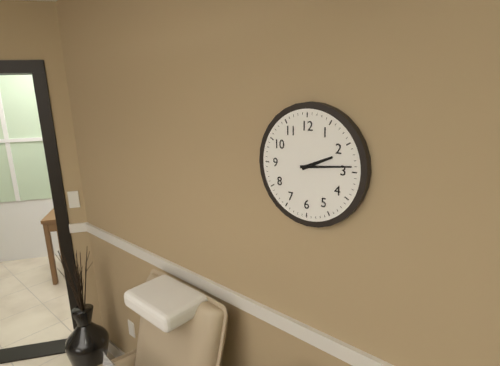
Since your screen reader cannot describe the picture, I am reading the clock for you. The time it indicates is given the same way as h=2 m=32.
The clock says h=2 m=14
